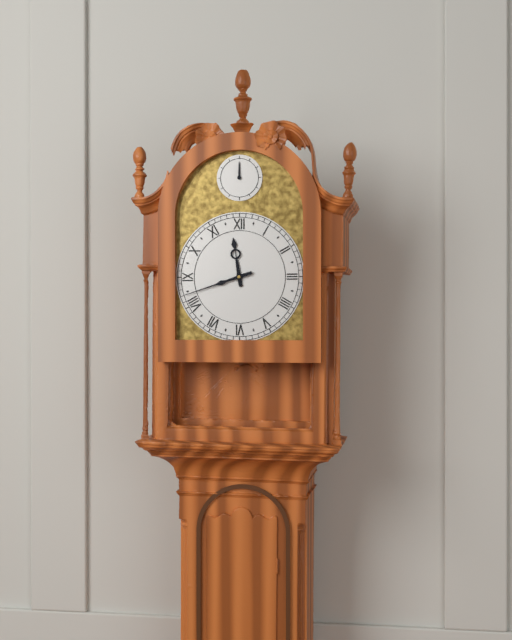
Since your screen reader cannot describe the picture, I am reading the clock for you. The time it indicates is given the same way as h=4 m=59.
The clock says h=11 m=42
